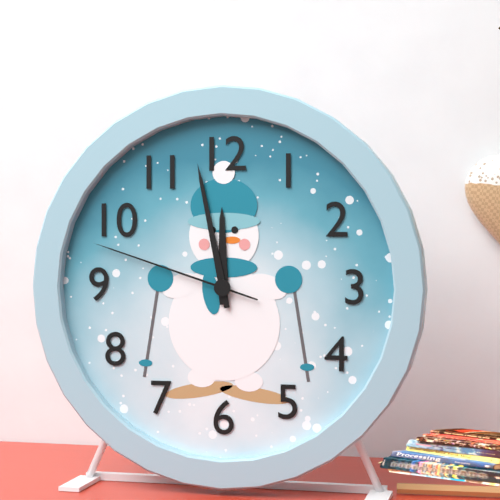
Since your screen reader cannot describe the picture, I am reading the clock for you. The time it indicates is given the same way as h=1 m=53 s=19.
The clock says h=11 m=58 s=48
